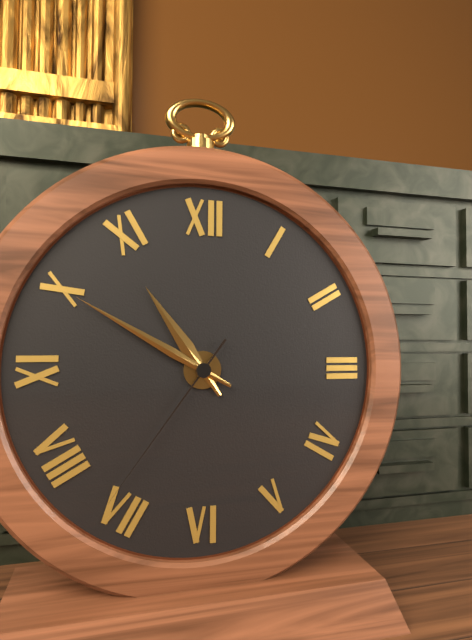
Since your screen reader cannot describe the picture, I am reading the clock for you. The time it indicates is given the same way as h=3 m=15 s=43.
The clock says h=10 m=50 s=36
